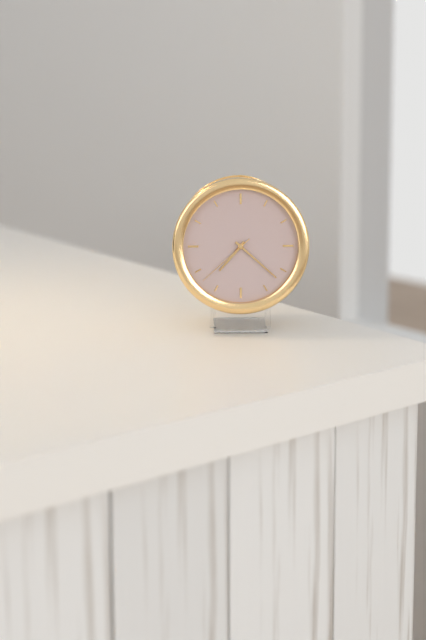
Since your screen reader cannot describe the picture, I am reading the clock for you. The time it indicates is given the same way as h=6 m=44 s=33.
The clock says h=7 m=22 s=38
